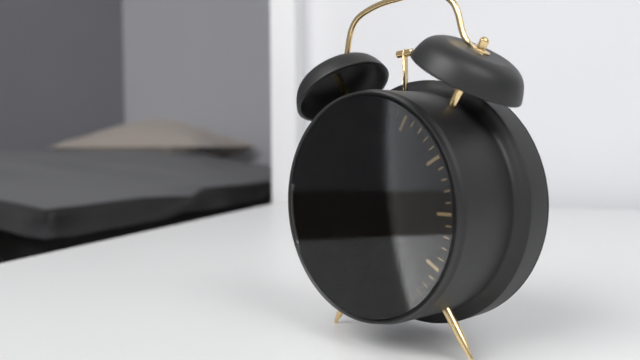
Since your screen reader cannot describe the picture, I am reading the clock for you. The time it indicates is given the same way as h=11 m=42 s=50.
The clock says h=7 m=39 s=49
